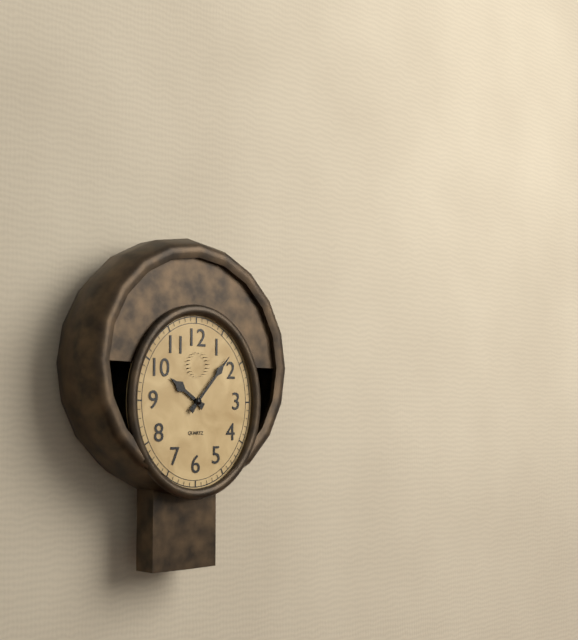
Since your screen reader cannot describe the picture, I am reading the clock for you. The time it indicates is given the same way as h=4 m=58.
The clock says h=10 m=7
